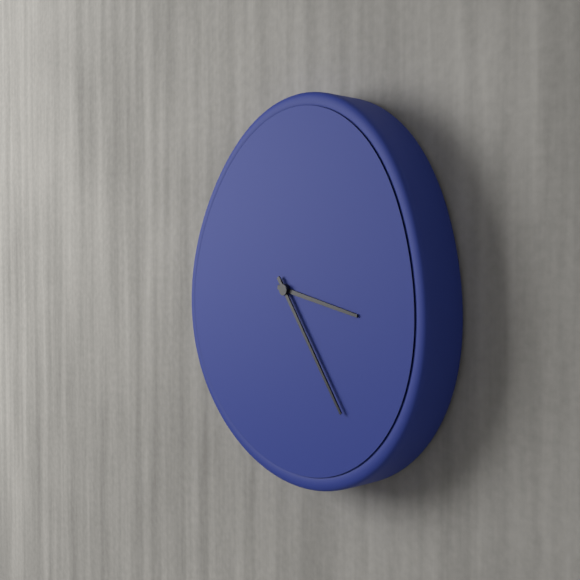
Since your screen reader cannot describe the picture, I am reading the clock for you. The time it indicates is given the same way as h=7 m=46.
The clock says h=3 m=24
